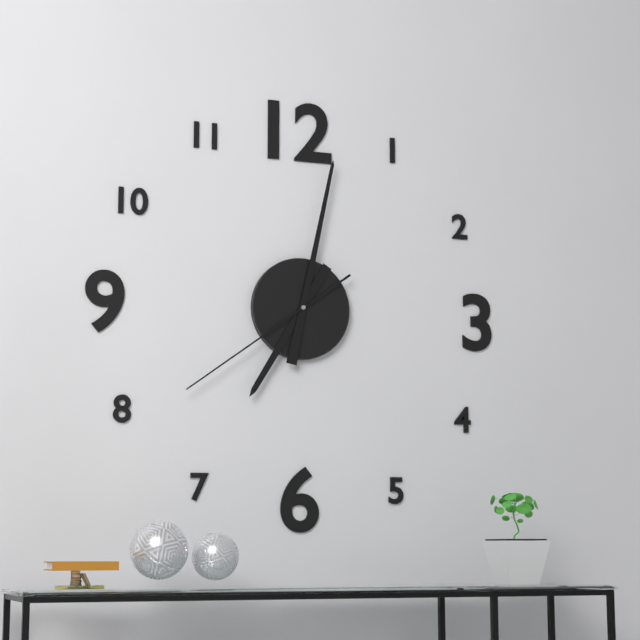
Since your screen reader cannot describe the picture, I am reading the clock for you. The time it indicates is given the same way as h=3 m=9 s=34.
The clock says h=7 m=2 s=39
